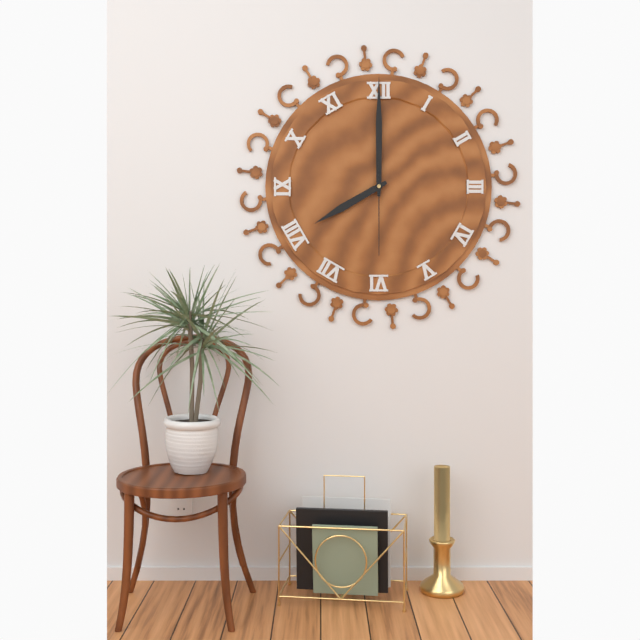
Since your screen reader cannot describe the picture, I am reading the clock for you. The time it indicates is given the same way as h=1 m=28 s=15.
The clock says h=8 m=0 s=30
